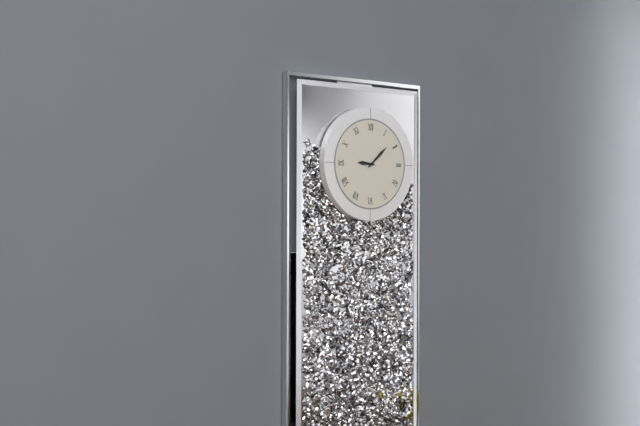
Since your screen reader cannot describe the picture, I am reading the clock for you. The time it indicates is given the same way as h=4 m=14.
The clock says h=9 m=8
